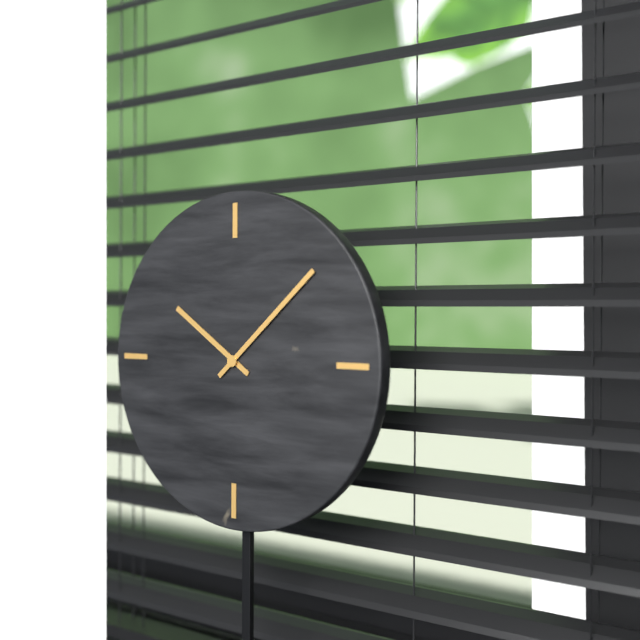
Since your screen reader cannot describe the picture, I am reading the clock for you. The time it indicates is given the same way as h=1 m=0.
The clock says h=10 m=8
